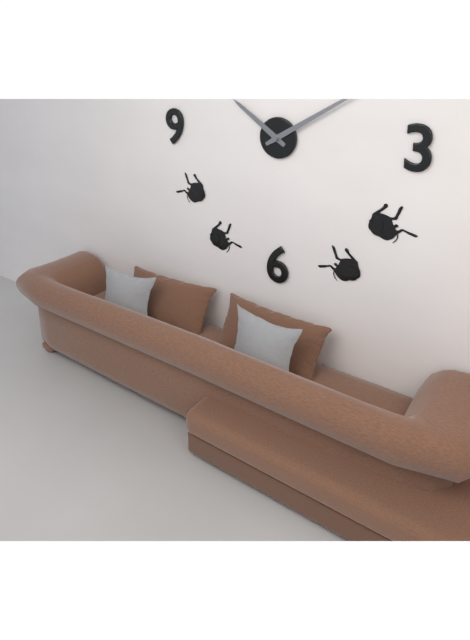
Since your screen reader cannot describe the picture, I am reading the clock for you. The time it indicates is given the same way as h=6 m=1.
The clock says h=10 m=10
